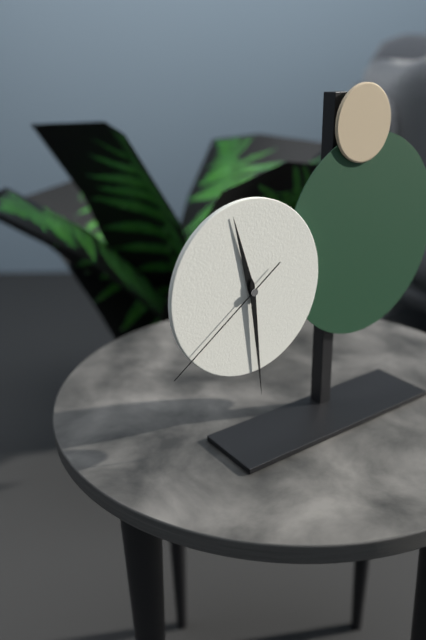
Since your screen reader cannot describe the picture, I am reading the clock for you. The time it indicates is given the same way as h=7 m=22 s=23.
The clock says h=11 m=29 s=39
